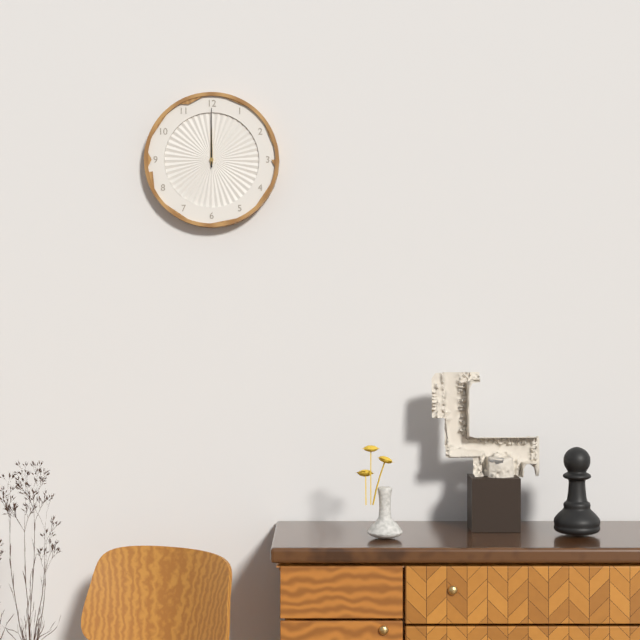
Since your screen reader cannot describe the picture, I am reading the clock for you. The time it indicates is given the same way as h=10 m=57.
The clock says h=12 m=0
